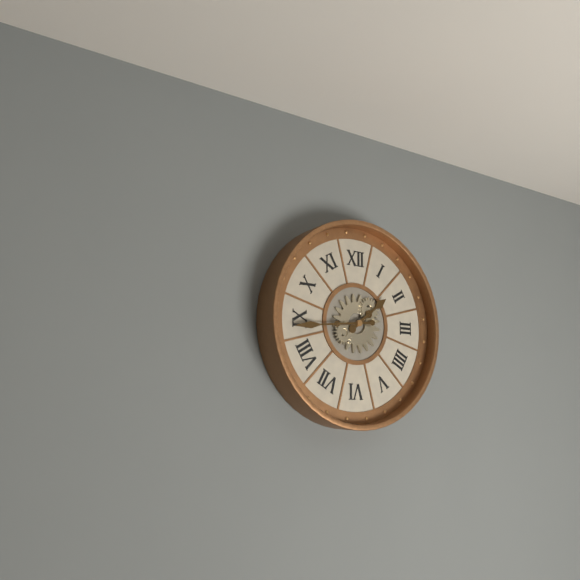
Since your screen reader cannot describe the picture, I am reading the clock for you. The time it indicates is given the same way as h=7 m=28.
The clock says h=1 m=44
